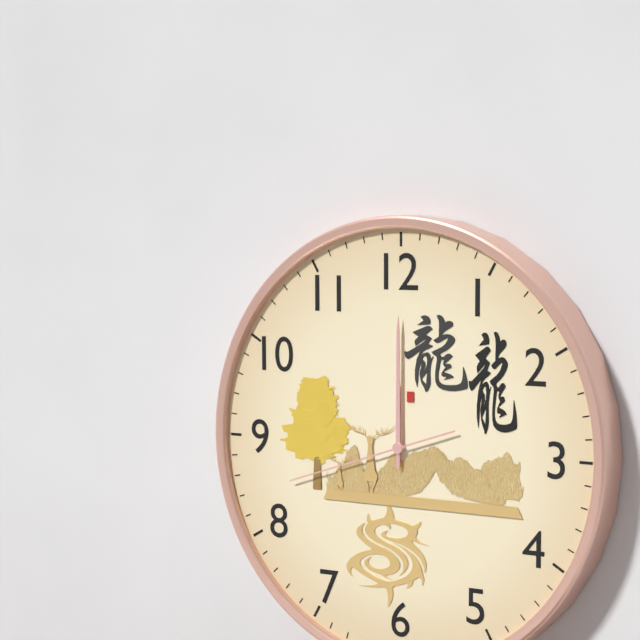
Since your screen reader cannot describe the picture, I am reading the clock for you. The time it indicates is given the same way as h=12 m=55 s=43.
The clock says h=12 m=0 s=42
